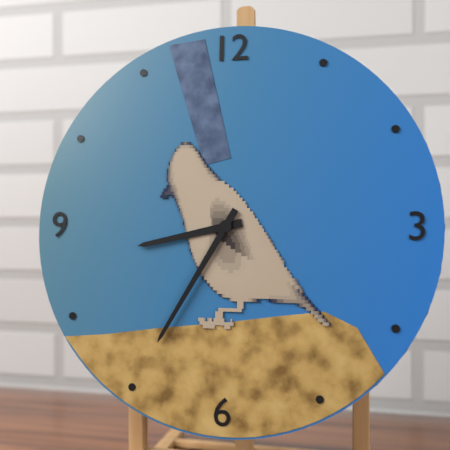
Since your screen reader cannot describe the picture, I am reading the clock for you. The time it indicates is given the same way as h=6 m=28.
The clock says h=8 m=35
